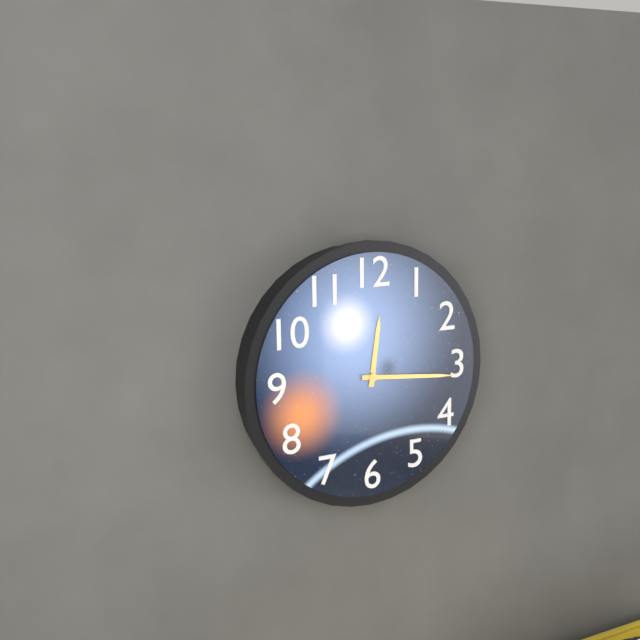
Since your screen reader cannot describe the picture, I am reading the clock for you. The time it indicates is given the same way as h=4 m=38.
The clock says h=12 m=16
